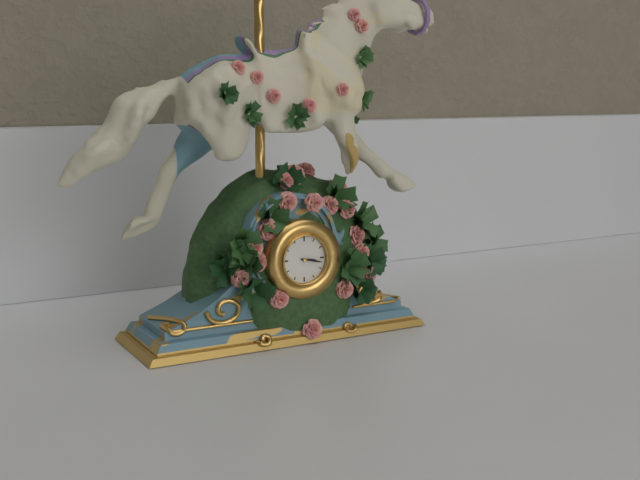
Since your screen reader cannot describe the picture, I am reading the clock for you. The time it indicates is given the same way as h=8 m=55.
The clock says h=3 m=17
